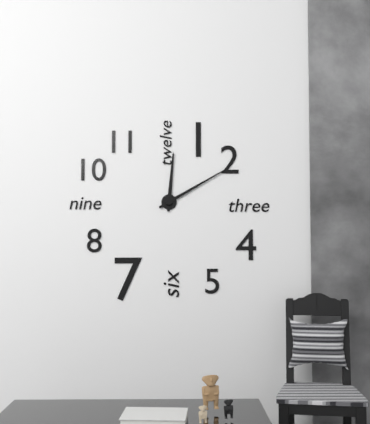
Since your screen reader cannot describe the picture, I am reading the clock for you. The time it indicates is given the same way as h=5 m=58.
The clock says h=12 m=10
